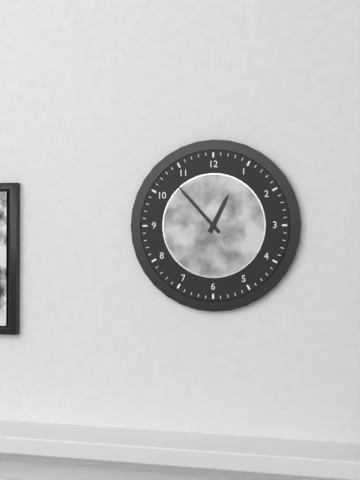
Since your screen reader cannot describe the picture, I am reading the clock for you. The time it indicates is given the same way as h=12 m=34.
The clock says h=12 m=53
